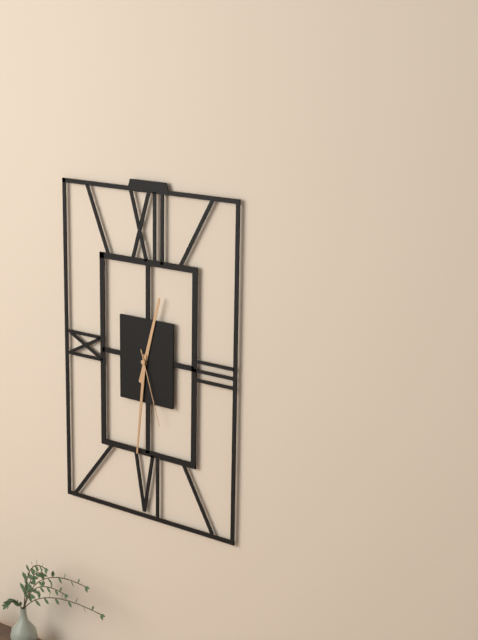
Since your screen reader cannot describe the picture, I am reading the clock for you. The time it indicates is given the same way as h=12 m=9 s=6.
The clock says h=12 m=31 s=27
